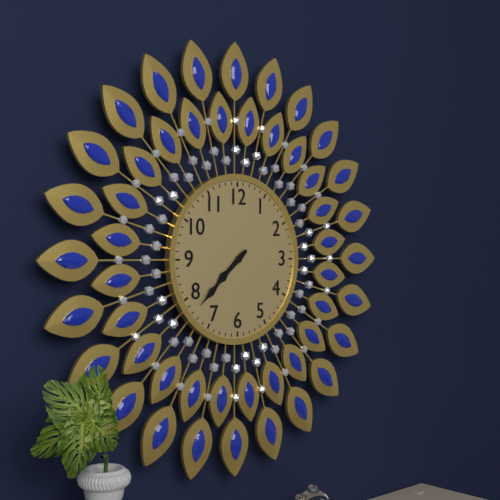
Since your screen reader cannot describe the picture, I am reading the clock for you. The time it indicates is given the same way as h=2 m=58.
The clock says h=7 m=38
